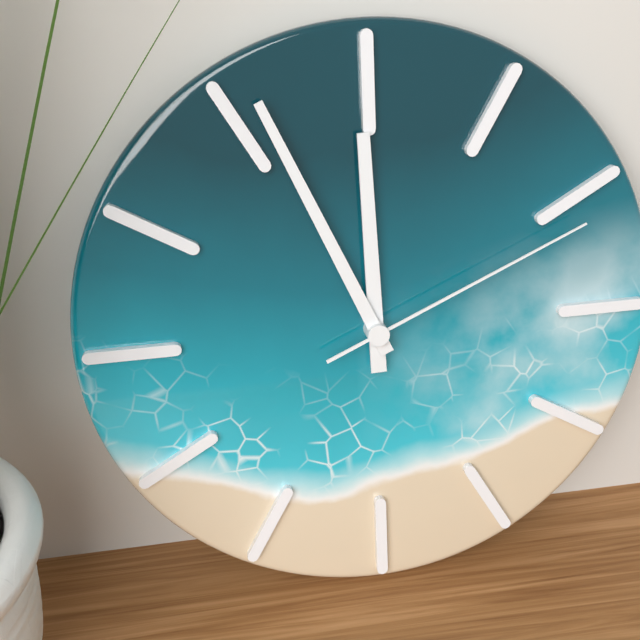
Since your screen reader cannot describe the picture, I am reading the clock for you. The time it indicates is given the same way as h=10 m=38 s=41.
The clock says h=11 m=56 s=11
